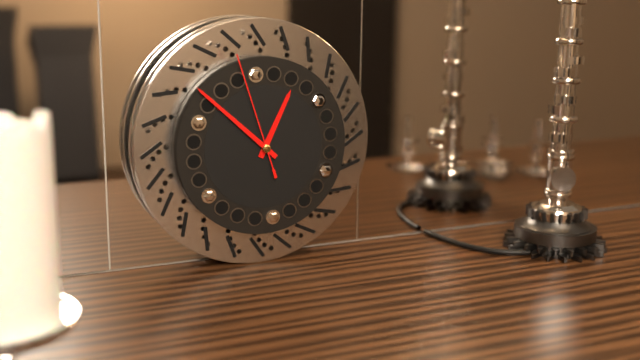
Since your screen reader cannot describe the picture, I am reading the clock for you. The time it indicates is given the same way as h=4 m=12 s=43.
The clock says h=12 m=52 s=57
